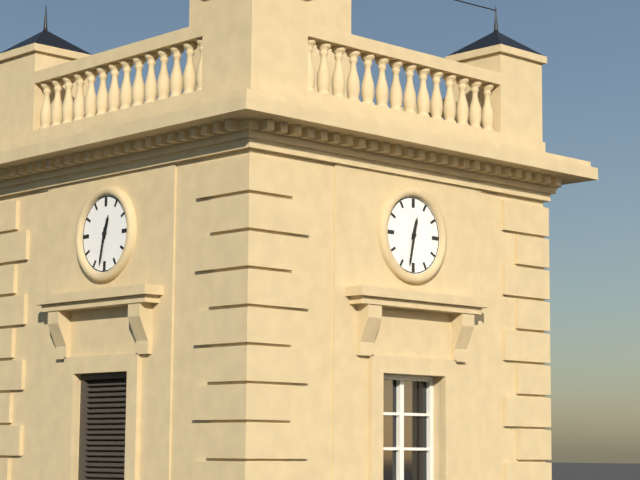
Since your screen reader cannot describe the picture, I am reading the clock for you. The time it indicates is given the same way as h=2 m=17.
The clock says h=12 m=32
